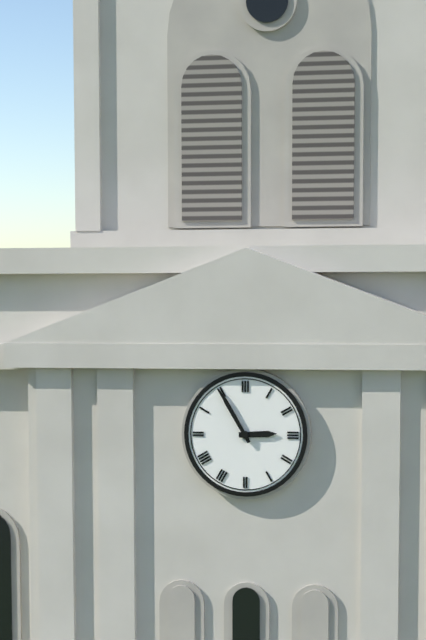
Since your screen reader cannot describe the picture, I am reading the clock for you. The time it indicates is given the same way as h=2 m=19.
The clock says h=2 m=55
